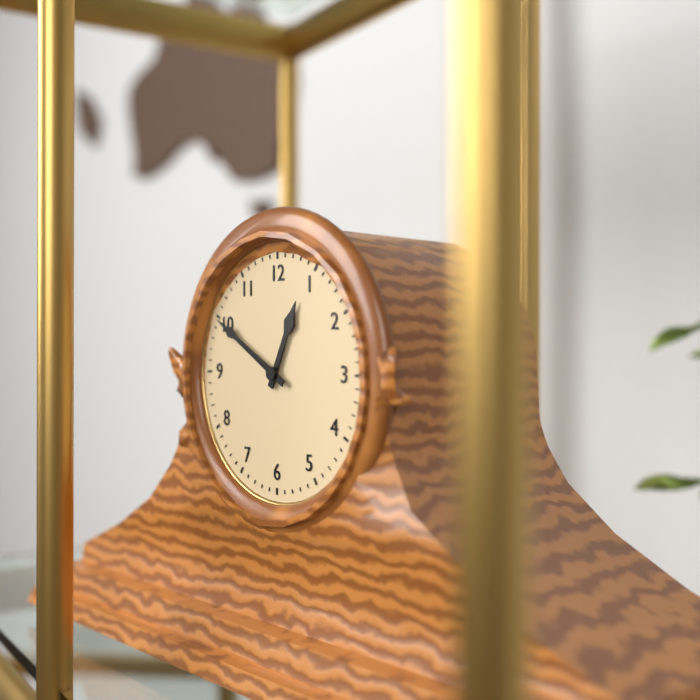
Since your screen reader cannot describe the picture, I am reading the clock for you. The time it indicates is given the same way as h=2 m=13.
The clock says h=12 m=50
